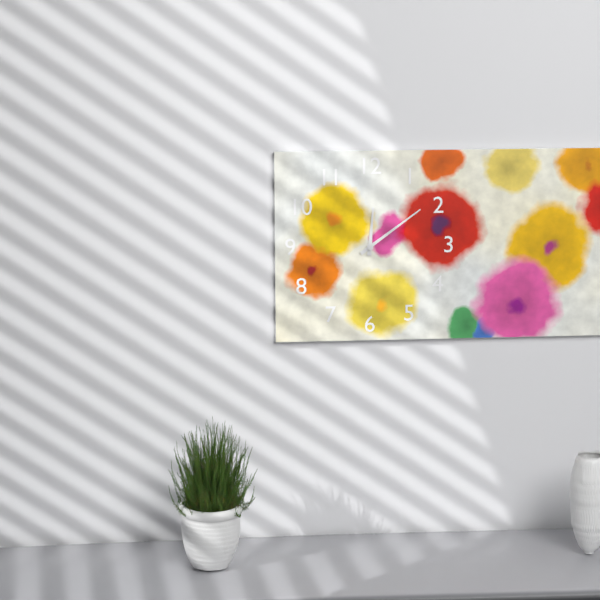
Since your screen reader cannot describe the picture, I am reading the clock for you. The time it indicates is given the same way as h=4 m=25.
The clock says h=12 m=9
